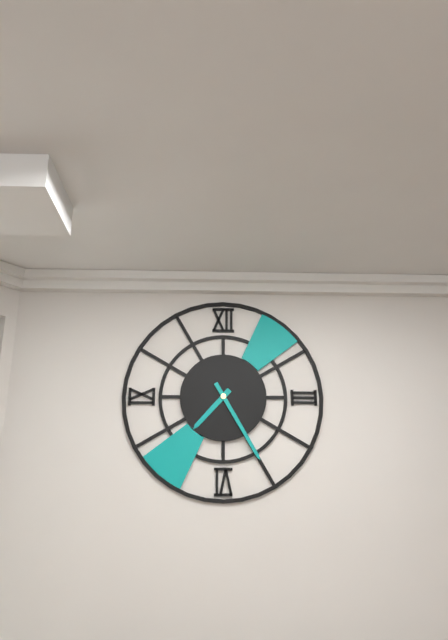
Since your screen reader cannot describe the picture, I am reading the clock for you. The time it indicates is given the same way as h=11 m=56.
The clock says h=7 m=25
